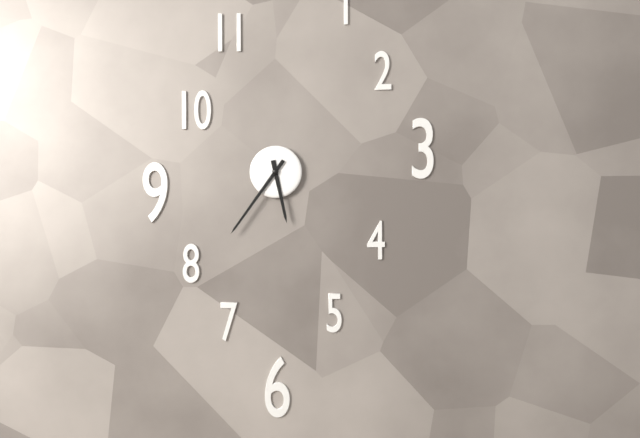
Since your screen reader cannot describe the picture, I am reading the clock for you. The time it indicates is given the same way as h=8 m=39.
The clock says h=5 m=36
